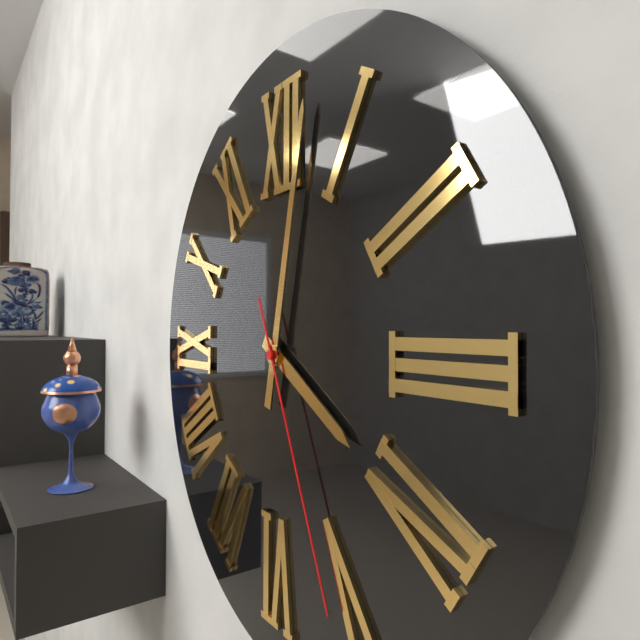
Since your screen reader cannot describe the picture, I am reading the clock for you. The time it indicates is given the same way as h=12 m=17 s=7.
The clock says h=4 m=2 s=26
